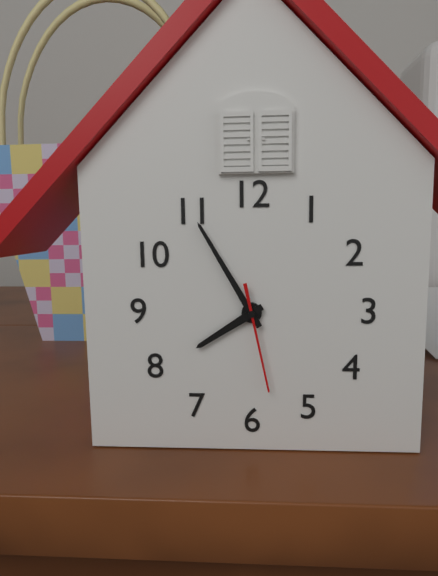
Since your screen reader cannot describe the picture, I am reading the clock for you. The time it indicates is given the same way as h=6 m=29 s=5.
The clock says h=7 m=55 s=28
